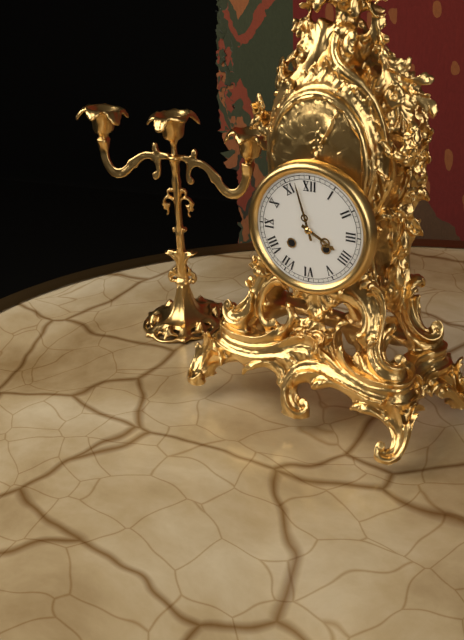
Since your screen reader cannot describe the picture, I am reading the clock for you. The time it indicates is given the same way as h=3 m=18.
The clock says h=3 m=57
